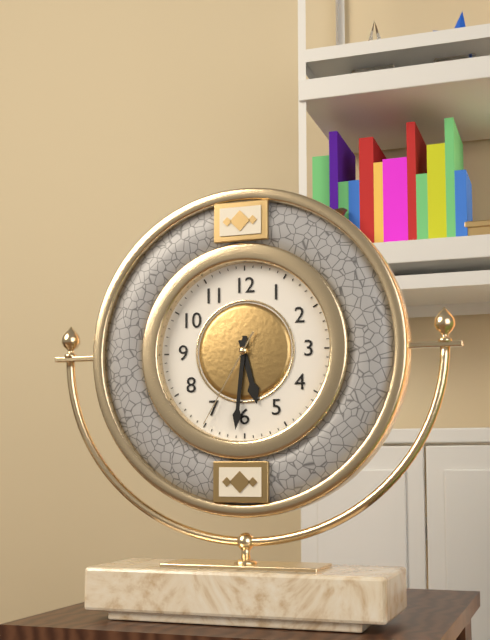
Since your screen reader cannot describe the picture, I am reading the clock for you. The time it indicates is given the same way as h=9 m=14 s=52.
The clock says h=5 m=31 s=35
